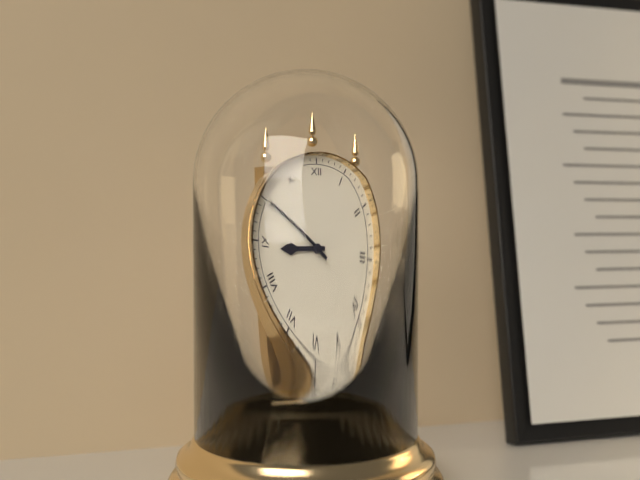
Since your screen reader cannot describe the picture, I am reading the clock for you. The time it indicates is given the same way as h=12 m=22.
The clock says h=8 m=50
